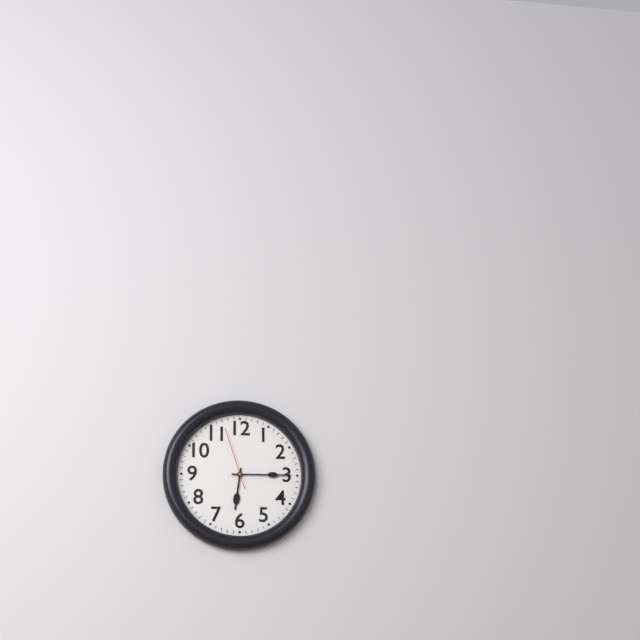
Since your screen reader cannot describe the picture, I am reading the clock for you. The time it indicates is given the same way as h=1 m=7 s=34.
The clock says h=6 m=15 s=57
